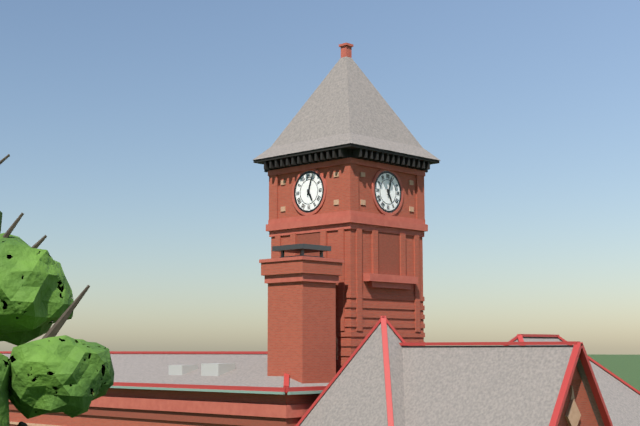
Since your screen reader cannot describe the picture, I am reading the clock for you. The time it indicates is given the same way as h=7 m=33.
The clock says h=5 m=3
